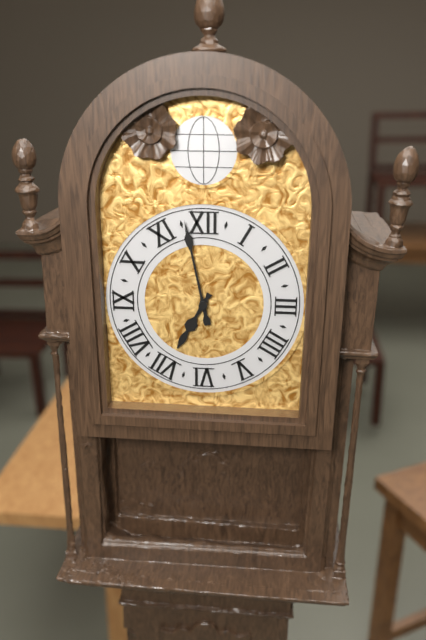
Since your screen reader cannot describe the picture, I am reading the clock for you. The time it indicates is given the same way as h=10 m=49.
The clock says h=6 m=58
